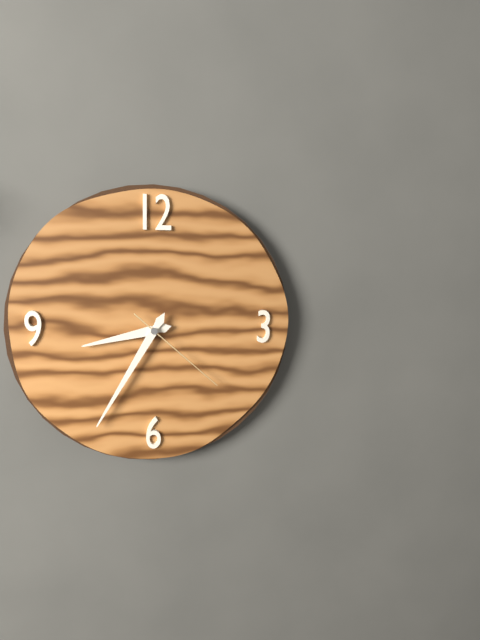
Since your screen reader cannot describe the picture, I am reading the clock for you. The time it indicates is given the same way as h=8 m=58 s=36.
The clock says h=8 m=35 s=22
